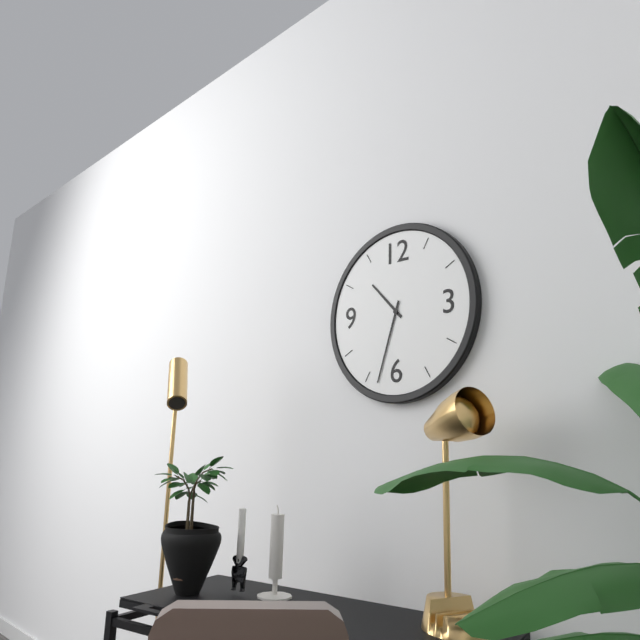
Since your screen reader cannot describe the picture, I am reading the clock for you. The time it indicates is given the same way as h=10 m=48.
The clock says h=10 m=33
